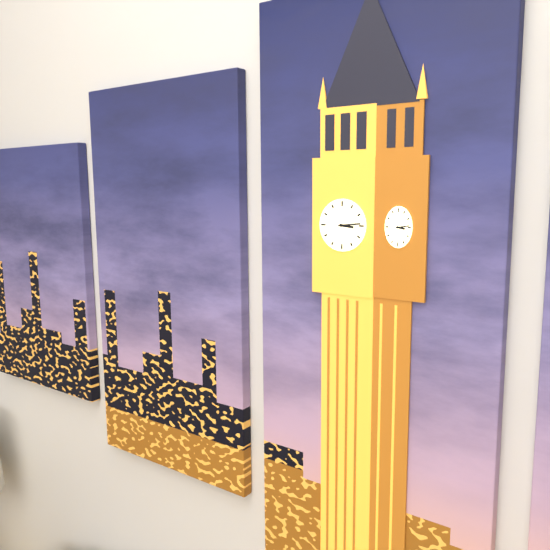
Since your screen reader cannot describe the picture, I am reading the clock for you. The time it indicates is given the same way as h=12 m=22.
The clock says h=3 m=14
